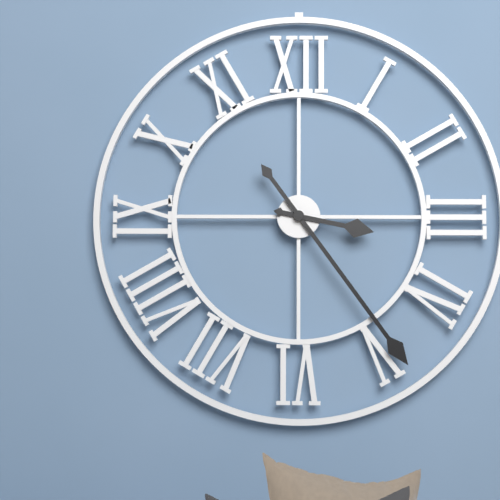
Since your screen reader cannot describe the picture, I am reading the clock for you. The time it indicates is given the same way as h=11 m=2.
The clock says h=3 m=24
